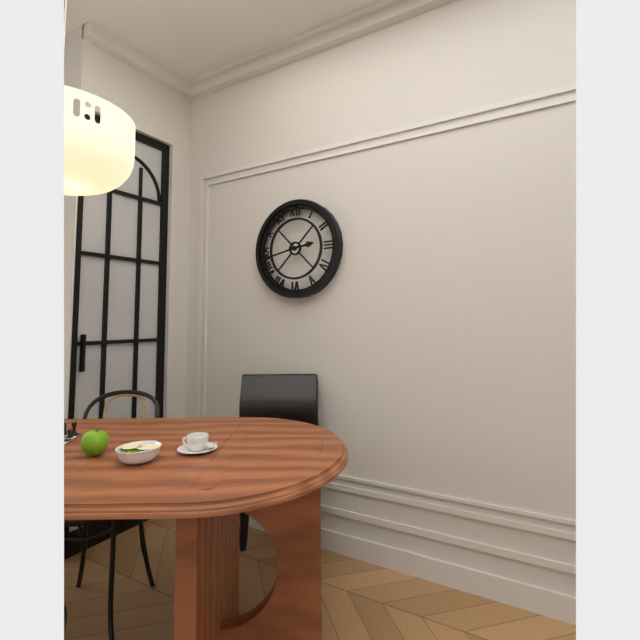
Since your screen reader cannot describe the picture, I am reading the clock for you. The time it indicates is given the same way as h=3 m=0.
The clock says h=2 m=43
